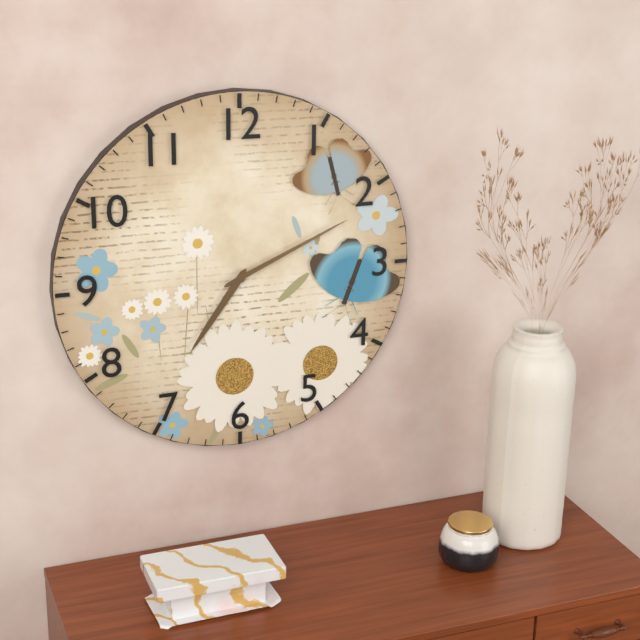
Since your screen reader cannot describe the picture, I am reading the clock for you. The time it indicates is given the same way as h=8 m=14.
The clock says h=7 m=11
